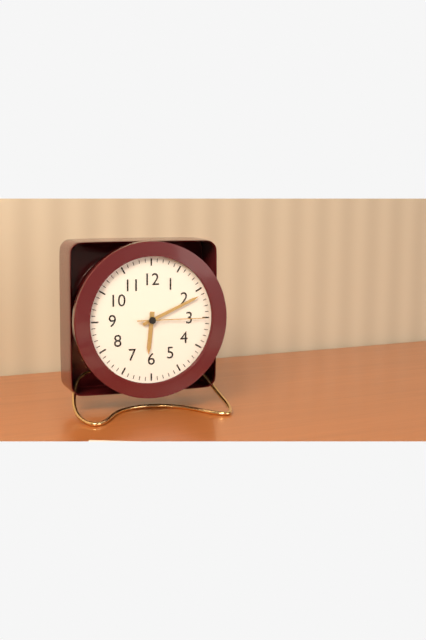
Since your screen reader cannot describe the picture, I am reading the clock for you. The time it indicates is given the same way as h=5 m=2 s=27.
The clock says h=6 m=11 s=15
